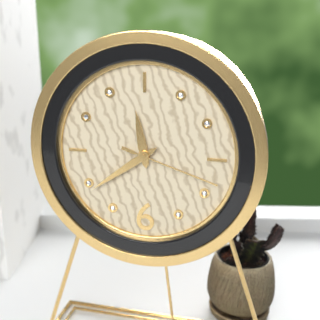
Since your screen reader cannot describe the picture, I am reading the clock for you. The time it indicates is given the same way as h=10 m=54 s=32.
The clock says h=11 m=39 s=18
